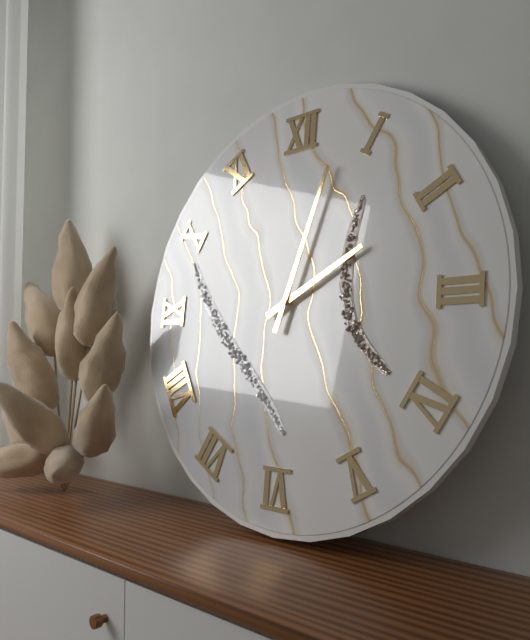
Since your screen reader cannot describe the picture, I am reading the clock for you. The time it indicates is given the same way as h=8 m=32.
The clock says h=2 m=3
